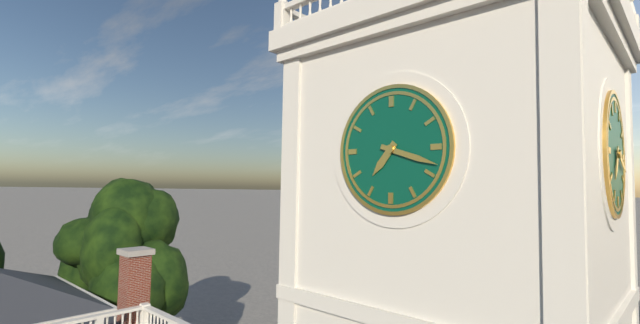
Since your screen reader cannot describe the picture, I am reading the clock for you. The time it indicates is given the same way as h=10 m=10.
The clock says h=7 m=18
